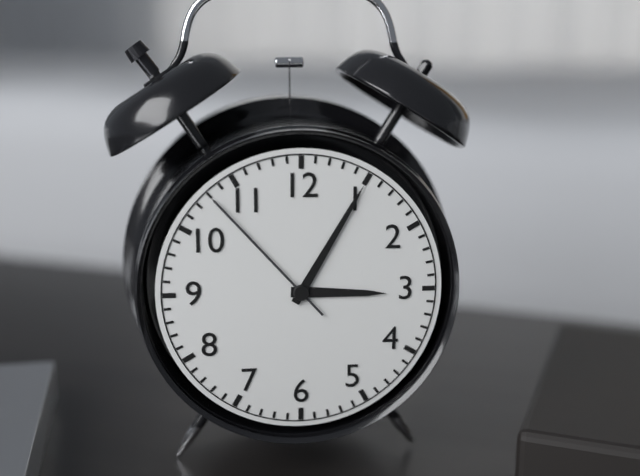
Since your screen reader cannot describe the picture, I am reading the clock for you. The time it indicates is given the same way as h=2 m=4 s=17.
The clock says h=3 m=5 s=53
